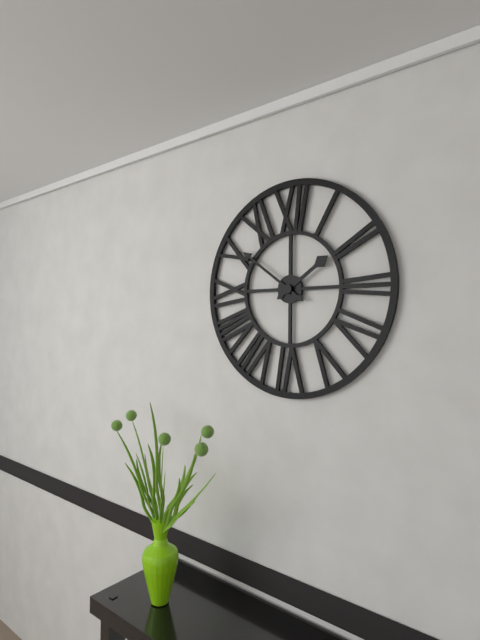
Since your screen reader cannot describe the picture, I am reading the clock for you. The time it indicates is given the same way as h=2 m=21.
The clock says h=1 m=51
